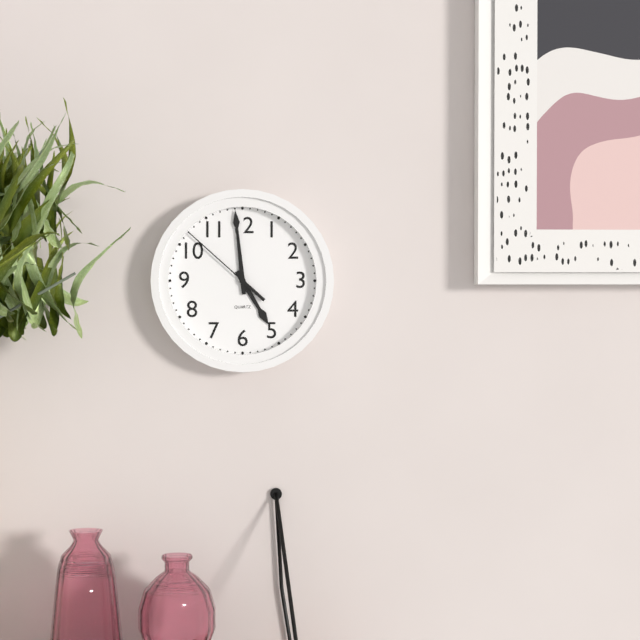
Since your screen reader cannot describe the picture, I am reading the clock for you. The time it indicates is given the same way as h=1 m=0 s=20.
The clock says h=4 m=59 s=52
